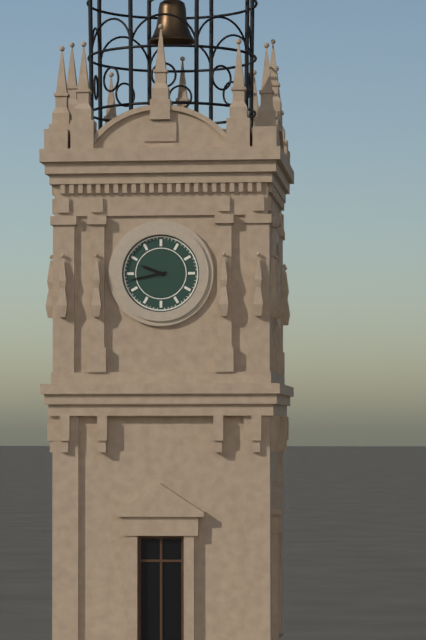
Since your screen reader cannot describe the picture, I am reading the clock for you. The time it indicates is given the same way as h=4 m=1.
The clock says h=9 m=43
